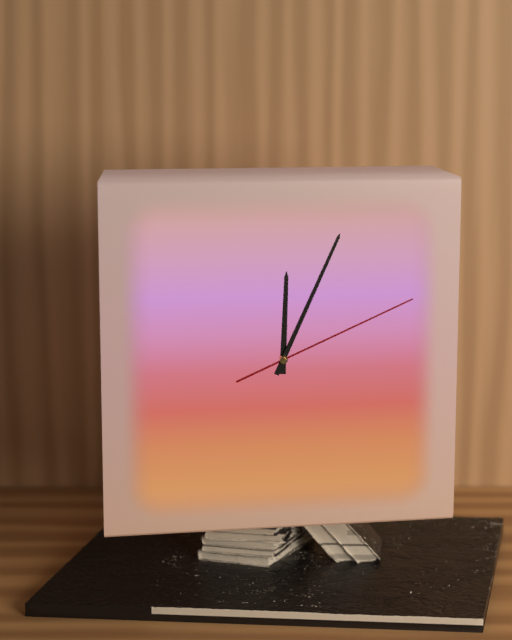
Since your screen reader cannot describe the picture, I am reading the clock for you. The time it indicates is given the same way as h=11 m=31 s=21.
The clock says h=12 m=4 s=11
